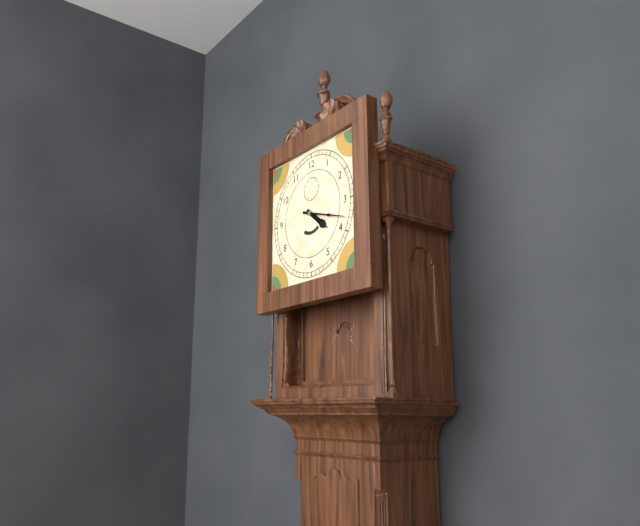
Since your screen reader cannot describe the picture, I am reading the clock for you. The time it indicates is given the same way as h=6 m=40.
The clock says h=4 m=18
